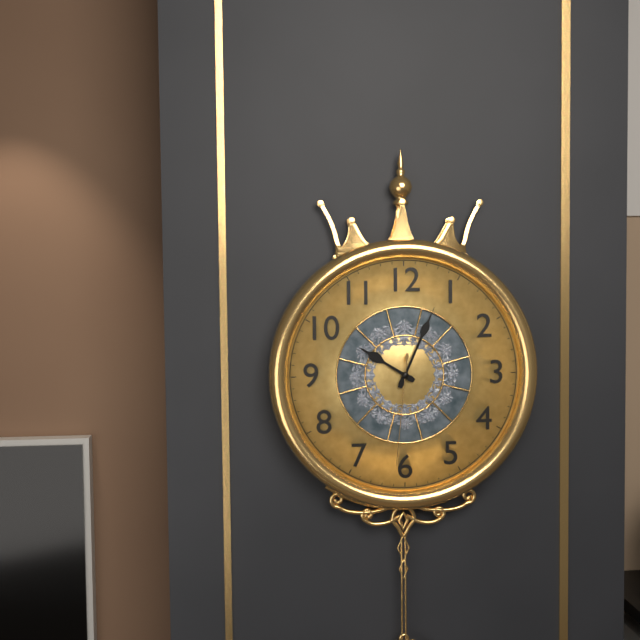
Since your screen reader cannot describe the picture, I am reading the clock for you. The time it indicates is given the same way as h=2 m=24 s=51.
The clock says h=10 m=4 s=31
